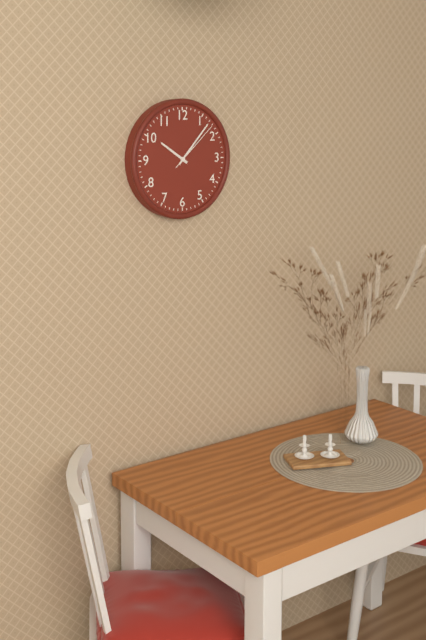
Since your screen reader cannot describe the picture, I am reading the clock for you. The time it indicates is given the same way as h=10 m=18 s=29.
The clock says h=10 m=7 s=8
